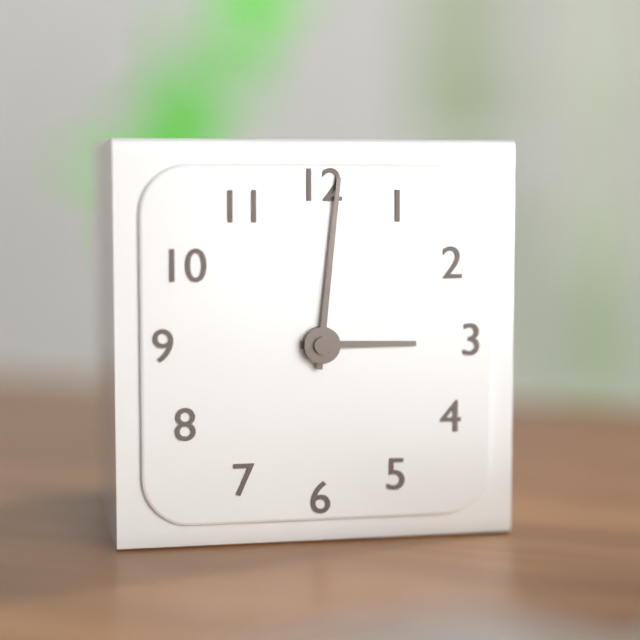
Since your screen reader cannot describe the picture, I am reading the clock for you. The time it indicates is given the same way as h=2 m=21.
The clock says h=3 m=1
